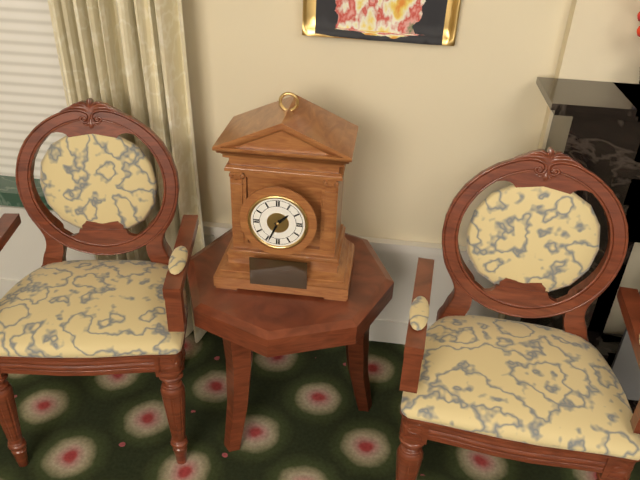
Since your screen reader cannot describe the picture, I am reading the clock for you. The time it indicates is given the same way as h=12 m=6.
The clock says h=1 m=34
